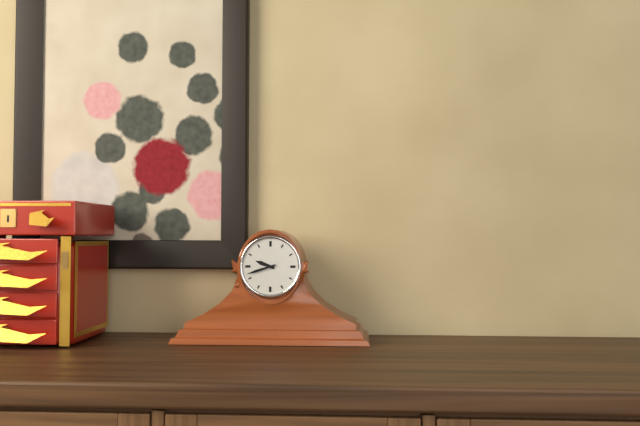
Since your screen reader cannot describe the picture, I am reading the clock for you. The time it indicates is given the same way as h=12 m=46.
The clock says h=9 m=42
